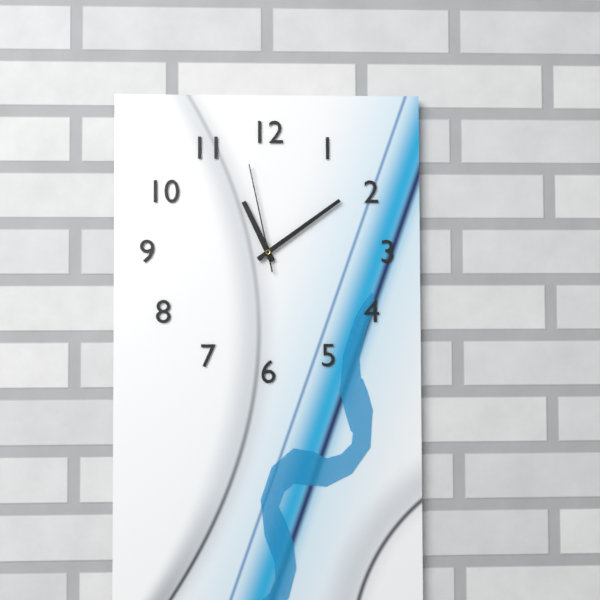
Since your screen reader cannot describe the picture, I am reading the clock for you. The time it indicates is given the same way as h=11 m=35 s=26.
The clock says h=11 m=9 s=58
